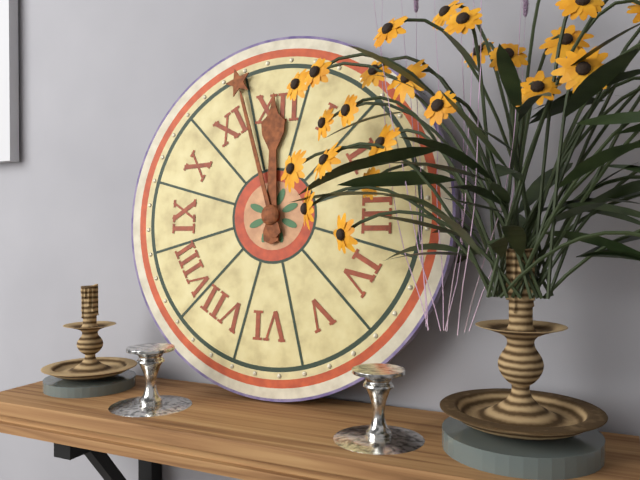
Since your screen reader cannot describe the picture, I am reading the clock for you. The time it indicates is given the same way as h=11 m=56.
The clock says h=11 m=57
